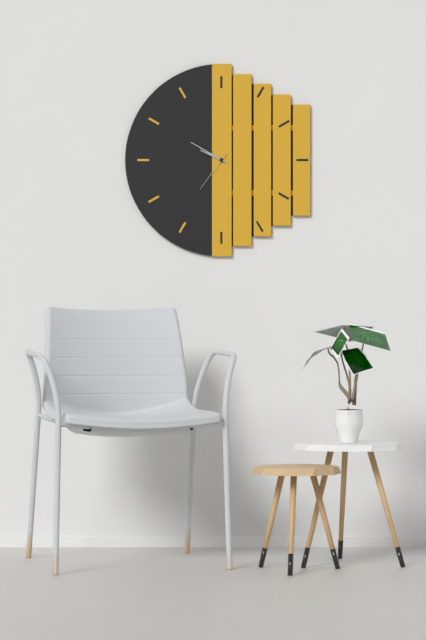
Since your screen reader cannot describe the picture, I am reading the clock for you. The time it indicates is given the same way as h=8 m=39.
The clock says h=9 m=50
